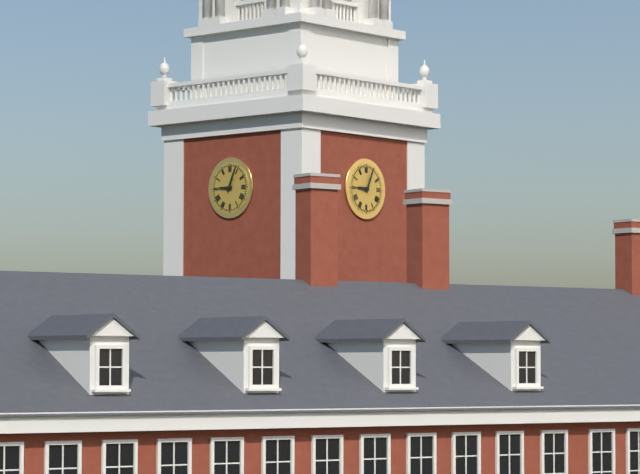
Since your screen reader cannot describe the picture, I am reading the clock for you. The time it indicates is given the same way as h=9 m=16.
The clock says h=9 m=4
